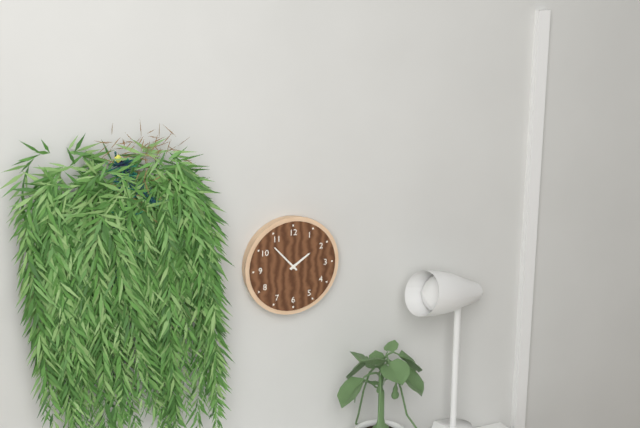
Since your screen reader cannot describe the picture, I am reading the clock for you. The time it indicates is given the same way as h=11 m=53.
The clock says h=1 m=53
